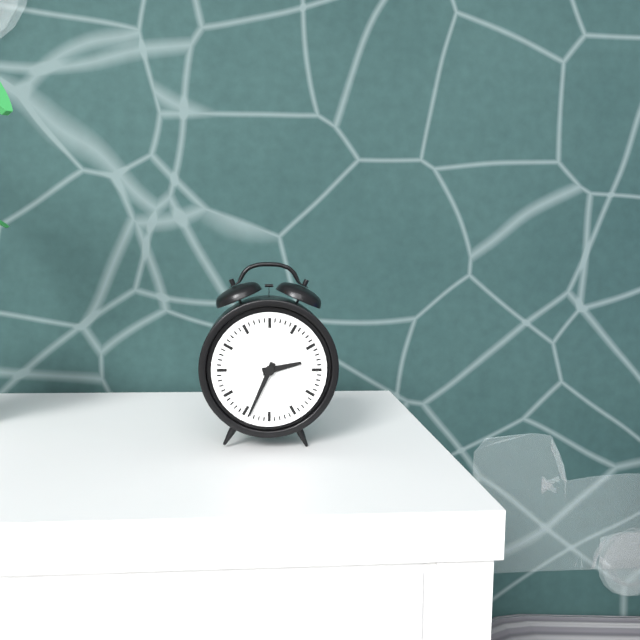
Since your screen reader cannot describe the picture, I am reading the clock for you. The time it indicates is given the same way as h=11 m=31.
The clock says h=2 m=34
